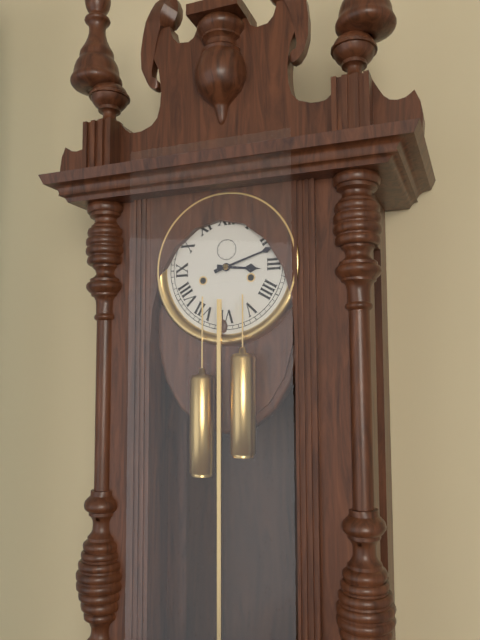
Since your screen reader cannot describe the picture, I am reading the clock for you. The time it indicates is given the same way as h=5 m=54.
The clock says h=3 m=12
